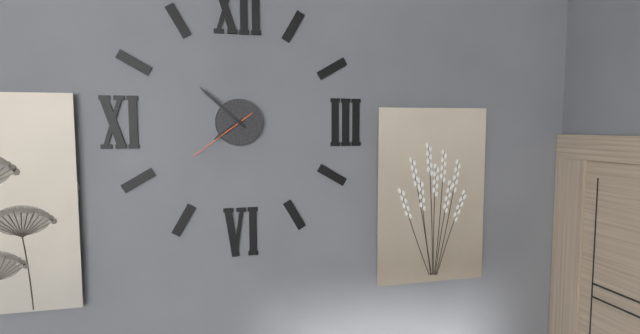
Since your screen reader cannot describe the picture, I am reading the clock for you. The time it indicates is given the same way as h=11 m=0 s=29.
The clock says h=7 m=52 s=39
